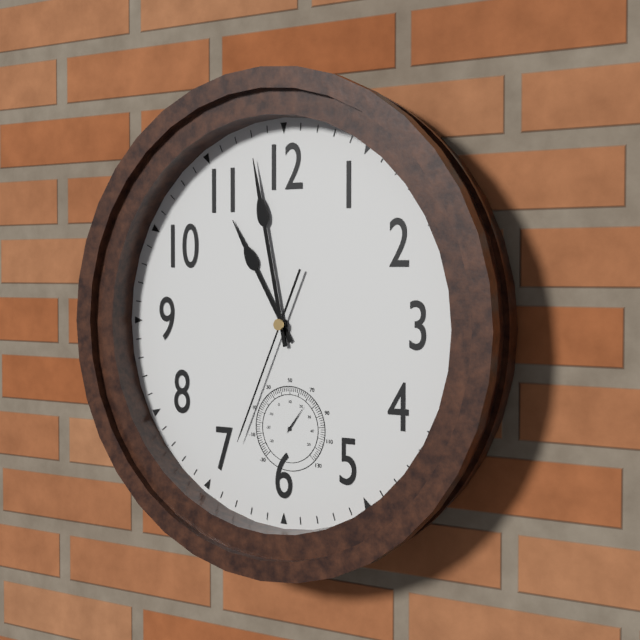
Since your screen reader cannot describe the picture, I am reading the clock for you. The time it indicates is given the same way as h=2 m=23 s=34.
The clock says h=10 m=58 s=34
